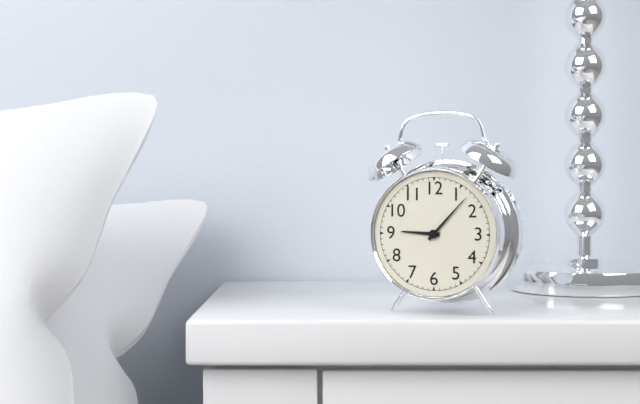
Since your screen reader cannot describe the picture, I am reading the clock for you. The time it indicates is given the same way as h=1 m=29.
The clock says h=9 m=7
